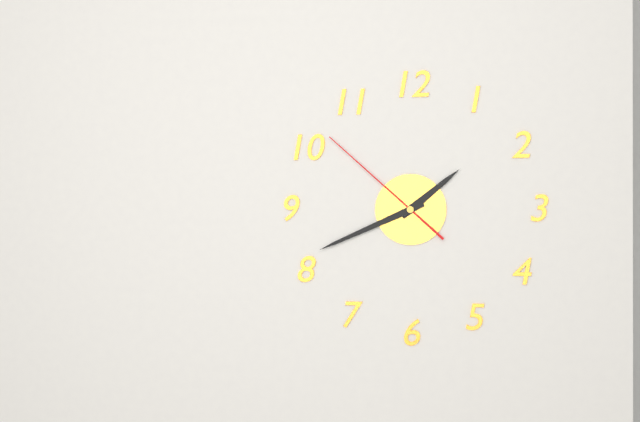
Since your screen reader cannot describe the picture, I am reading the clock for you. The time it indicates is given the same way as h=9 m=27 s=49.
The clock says h=1 m=41 s=52
